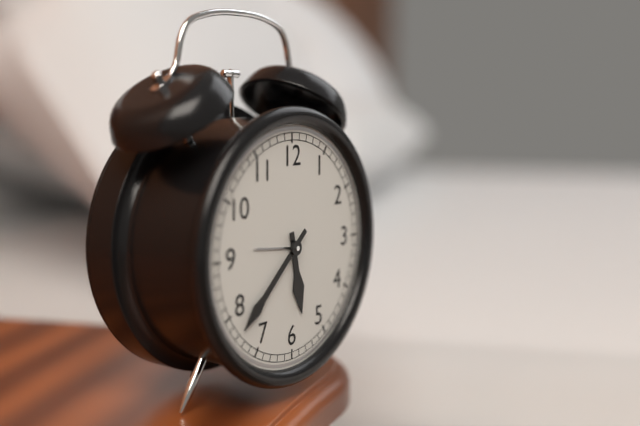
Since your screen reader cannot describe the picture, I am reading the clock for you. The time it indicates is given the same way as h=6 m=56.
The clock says h=5 m=38
